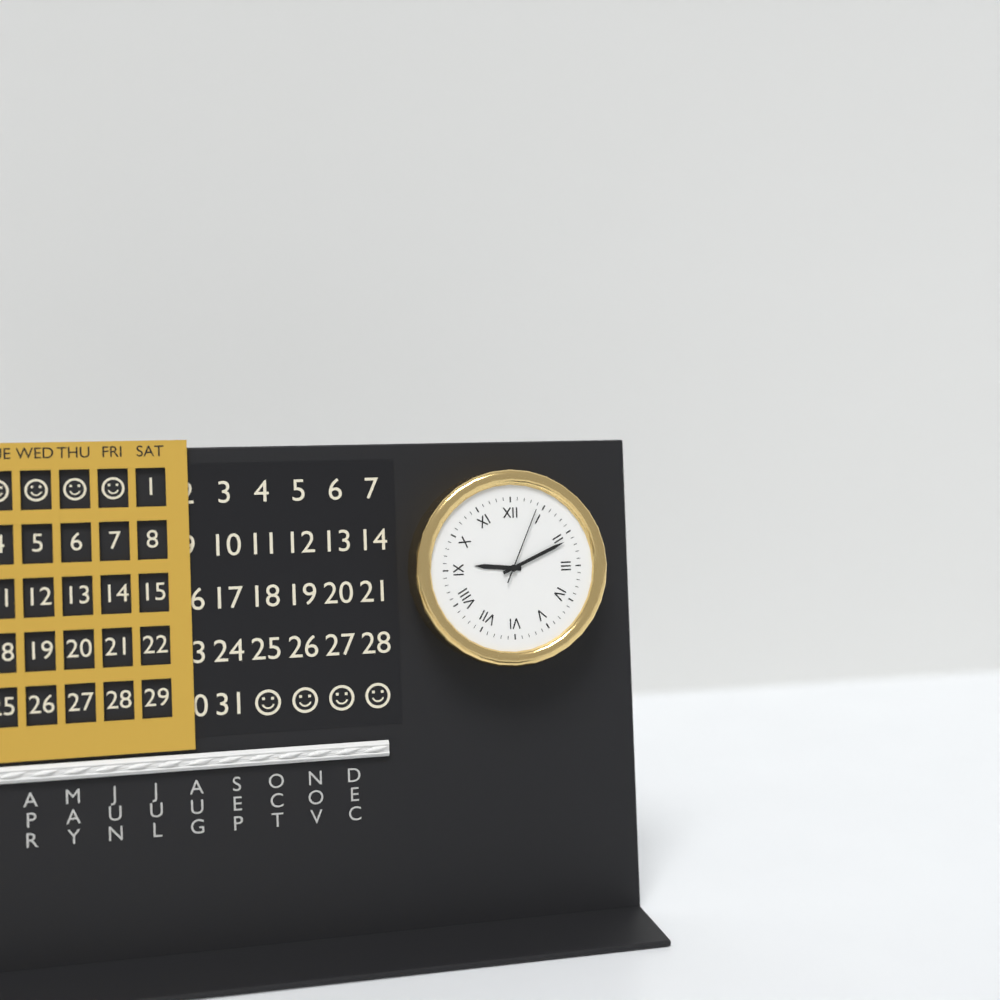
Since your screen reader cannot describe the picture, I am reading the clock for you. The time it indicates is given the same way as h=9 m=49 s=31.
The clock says h=9 m=11 s=4
